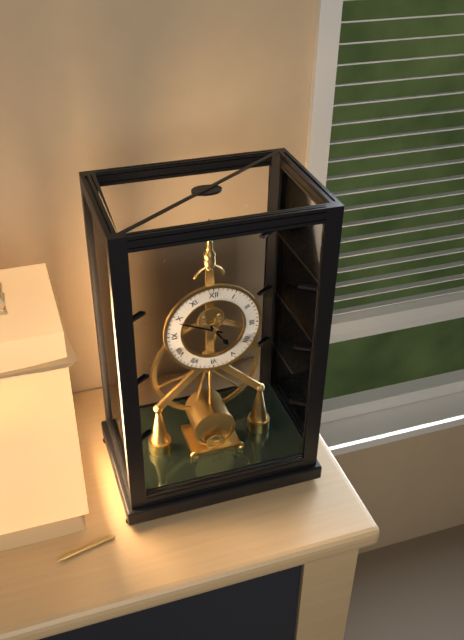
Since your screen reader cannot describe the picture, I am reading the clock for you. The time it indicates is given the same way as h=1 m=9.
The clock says h=4 m=49
